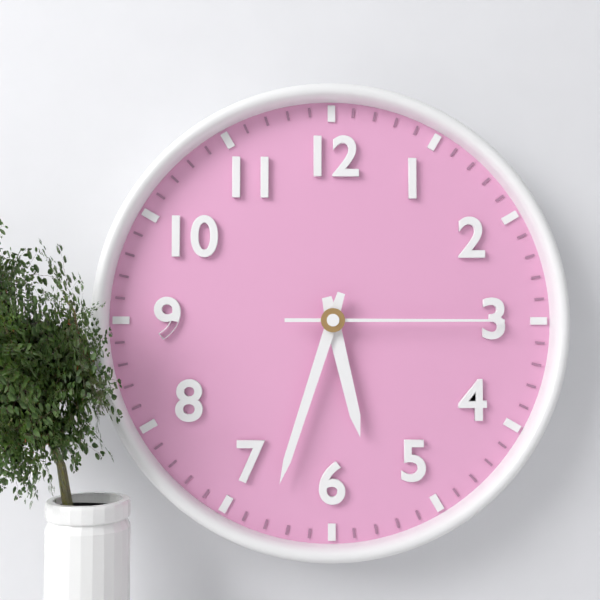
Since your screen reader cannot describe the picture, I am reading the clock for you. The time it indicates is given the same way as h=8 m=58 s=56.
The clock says h=5 m=33 s=15
